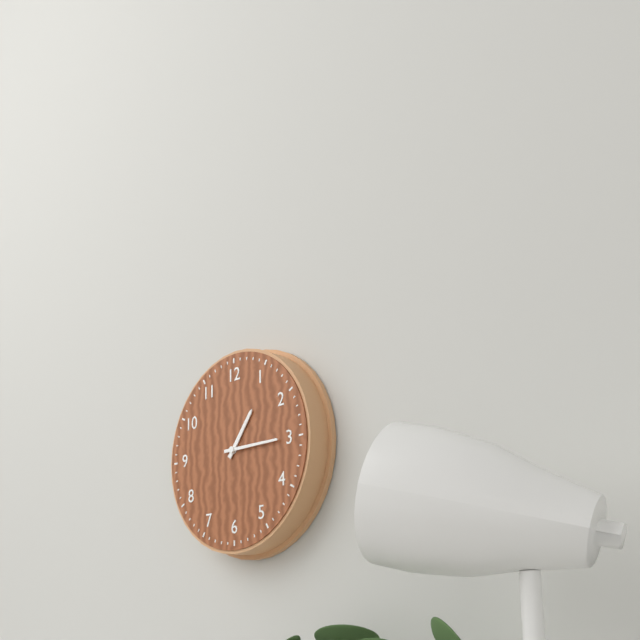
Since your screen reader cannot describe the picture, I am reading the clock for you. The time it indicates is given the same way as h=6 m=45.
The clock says h=1 m=15
